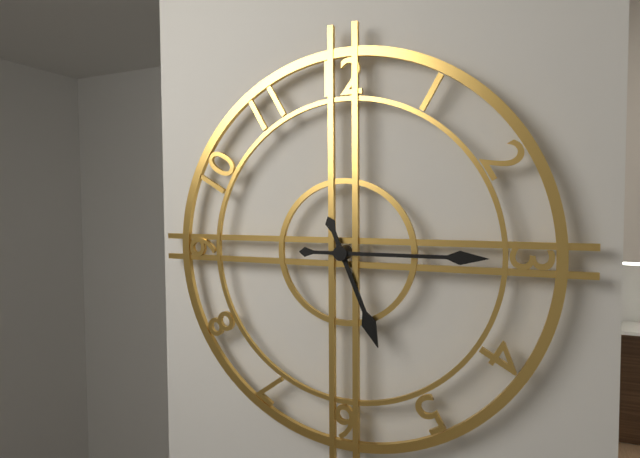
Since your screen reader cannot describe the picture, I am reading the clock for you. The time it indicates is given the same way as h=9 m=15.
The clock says h=5 m=15
